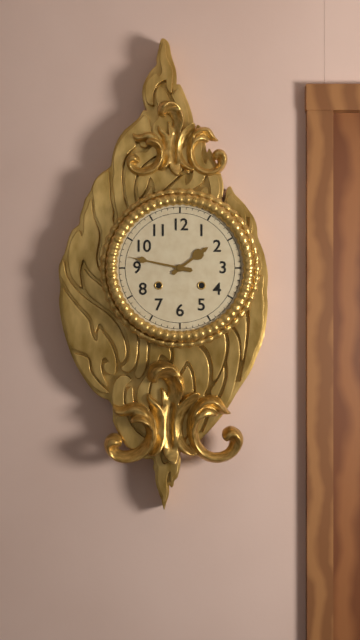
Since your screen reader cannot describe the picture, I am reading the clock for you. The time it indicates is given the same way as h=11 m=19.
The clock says h=1 m=47
